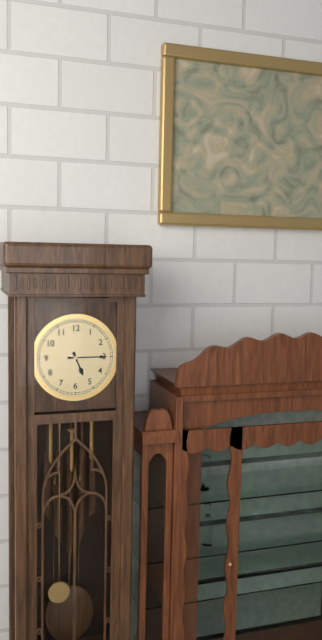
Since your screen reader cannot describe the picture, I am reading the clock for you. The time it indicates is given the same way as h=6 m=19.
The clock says h=5 m=15
